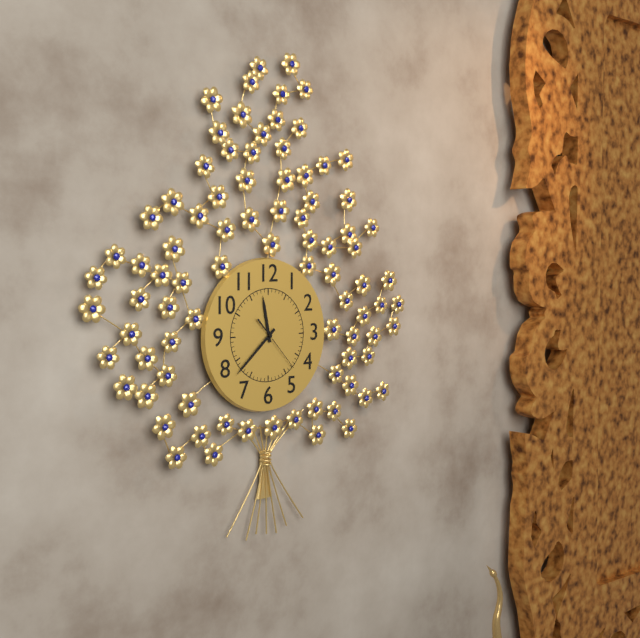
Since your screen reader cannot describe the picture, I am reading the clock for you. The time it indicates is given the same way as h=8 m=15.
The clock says h=11 m=38
